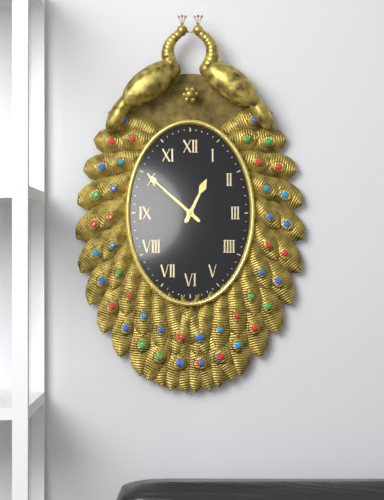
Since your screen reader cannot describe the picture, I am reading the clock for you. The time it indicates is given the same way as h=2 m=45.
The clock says h=12 m=52
